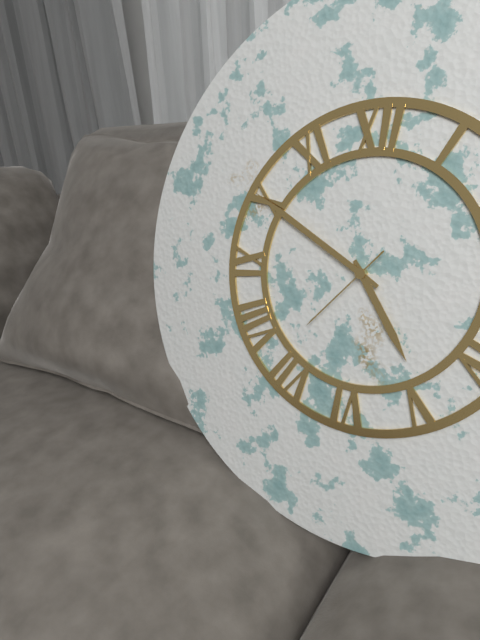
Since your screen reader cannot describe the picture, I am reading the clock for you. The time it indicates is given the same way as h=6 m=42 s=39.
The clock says h=4 m=50 s=37
